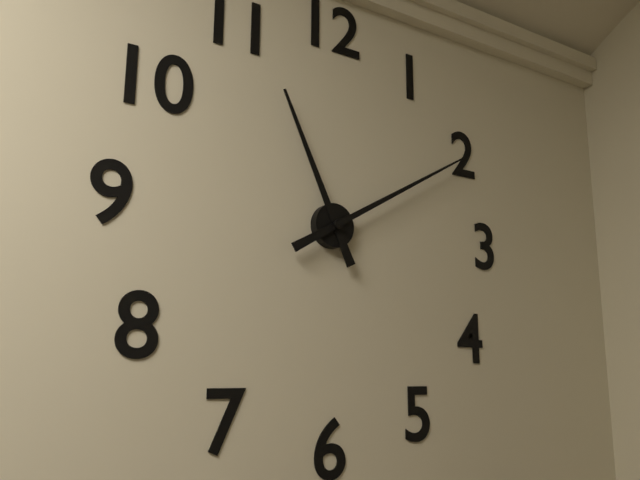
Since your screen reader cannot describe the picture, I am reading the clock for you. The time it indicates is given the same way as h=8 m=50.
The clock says h=11 m=10
